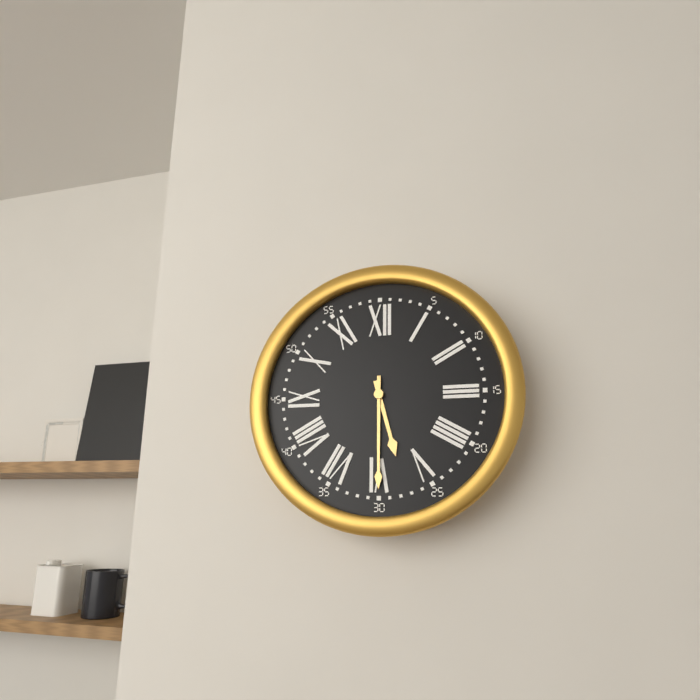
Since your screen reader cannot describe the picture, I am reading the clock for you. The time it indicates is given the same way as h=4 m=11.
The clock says h=5 m=30
